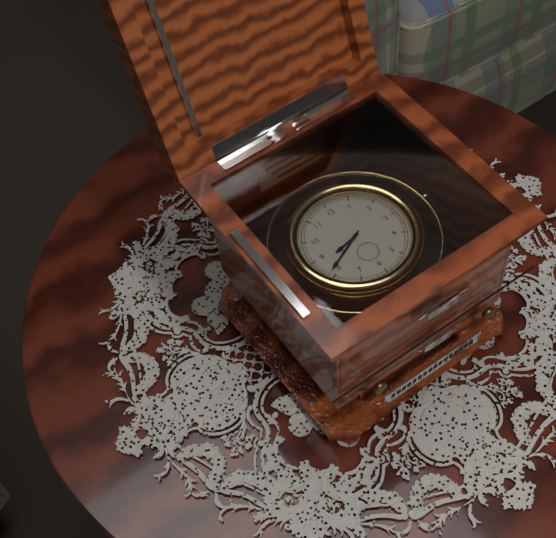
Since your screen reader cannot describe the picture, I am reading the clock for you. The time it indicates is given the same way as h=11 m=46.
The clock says h=8 m=41
